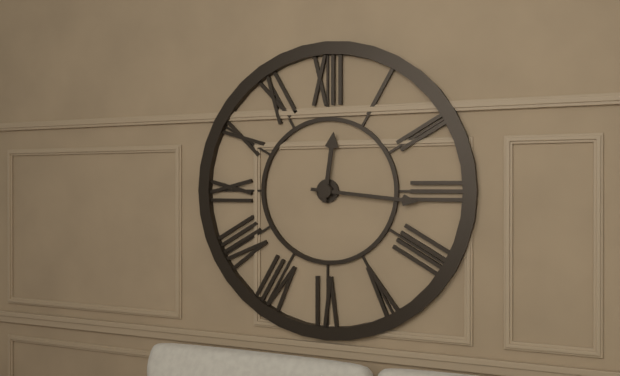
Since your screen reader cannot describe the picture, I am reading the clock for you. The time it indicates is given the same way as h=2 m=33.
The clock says h=12 m=16
